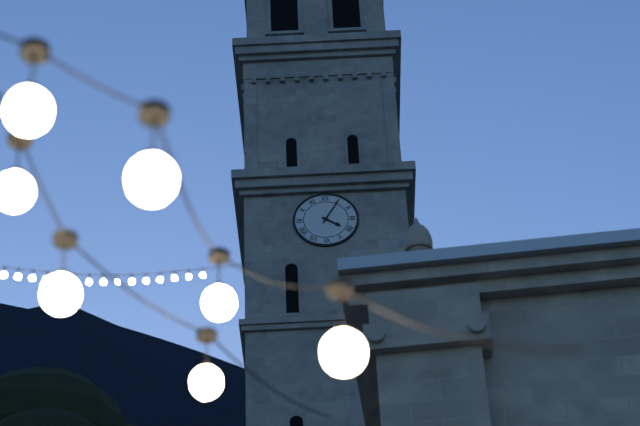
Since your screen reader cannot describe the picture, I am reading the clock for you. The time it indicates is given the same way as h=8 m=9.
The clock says h=4 m=5
